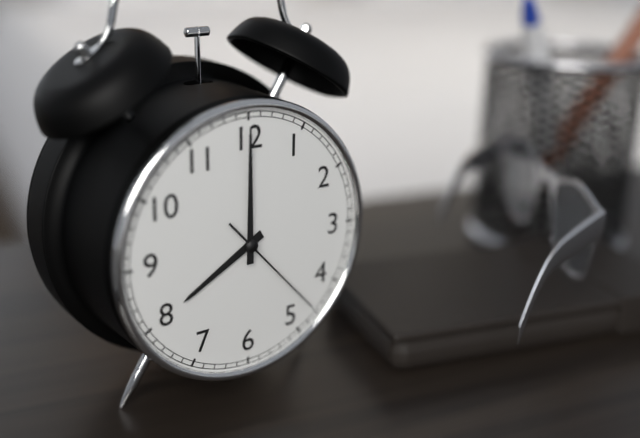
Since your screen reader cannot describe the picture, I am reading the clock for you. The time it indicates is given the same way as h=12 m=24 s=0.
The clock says h=8 m=0 s=23
